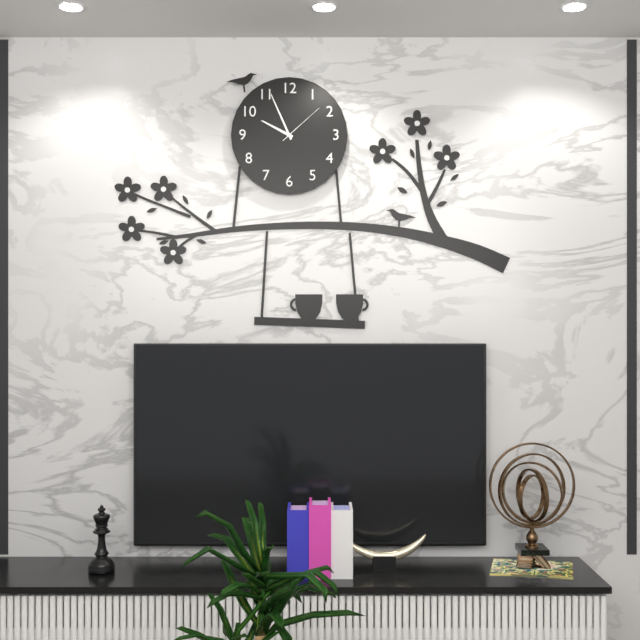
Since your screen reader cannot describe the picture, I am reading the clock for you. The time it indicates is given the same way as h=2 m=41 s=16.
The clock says h=9 m=56 s=8
